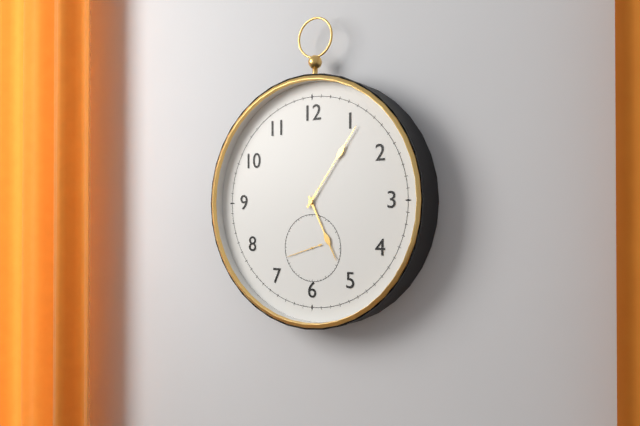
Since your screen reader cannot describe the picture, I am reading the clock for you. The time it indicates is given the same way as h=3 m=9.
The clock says h=5 m=6
